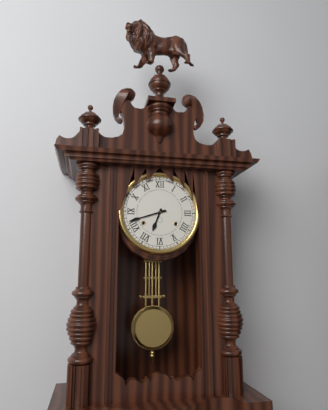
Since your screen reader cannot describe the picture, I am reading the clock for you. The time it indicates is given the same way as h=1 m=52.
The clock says h=6 m=42
